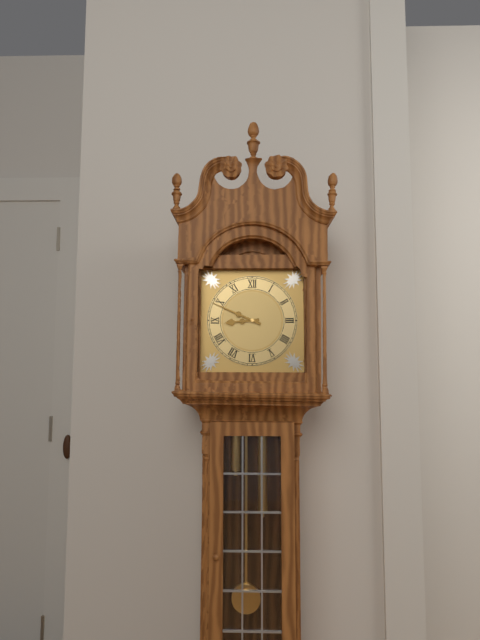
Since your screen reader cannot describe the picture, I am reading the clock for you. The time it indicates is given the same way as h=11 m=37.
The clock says h=8 m=49
